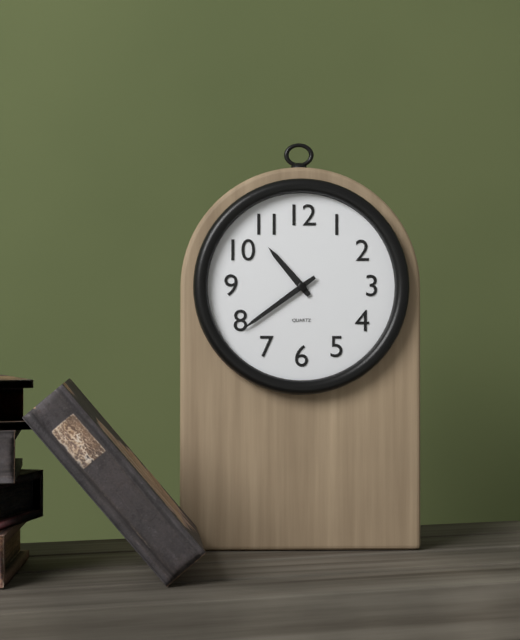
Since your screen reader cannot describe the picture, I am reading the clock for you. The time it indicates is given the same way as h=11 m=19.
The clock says h=10 m=39
